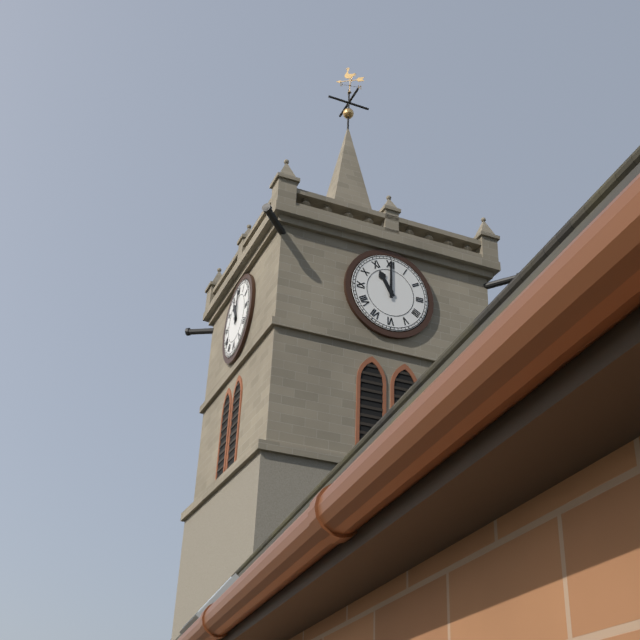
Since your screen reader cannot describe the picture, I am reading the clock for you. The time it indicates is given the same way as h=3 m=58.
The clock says h=11 m=0
